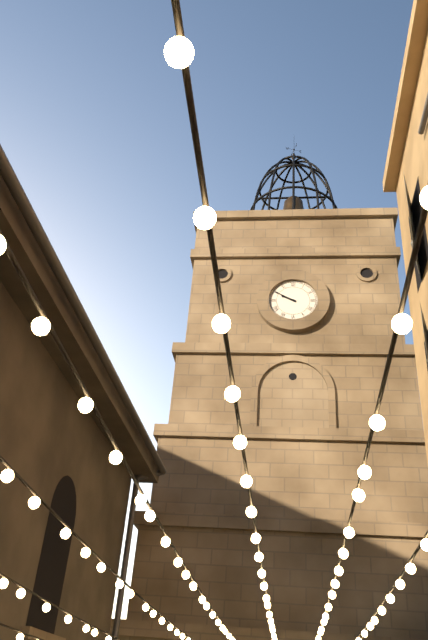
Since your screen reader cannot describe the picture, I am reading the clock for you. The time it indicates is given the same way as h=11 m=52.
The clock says h=9 m=50
